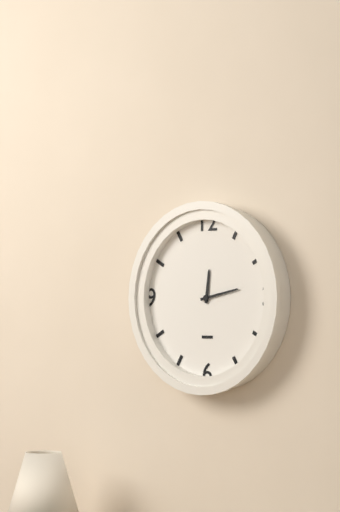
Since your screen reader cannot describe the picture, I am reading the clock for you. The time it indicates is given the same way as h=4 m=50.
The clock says h=12 m=13
